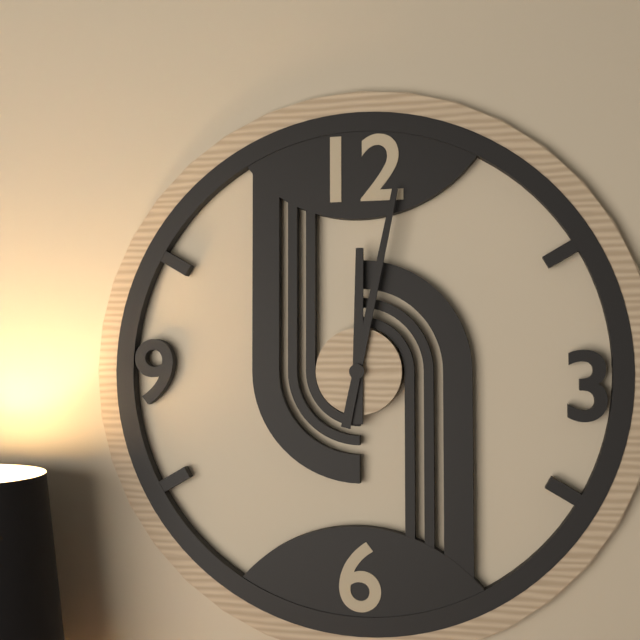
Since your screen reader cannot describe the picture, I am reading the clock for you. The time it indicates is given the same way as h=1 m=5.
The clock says h=12 m=2
